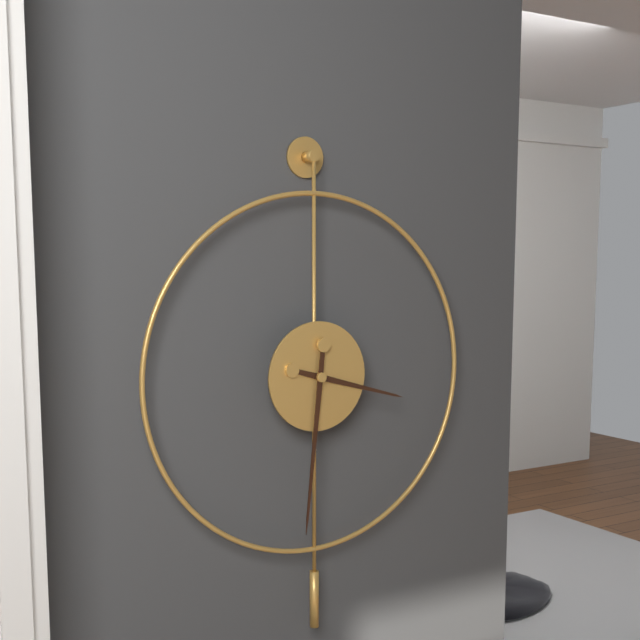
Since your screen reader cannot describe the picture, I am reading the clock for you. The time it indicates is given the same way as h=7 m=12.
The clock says h=3 m=31
